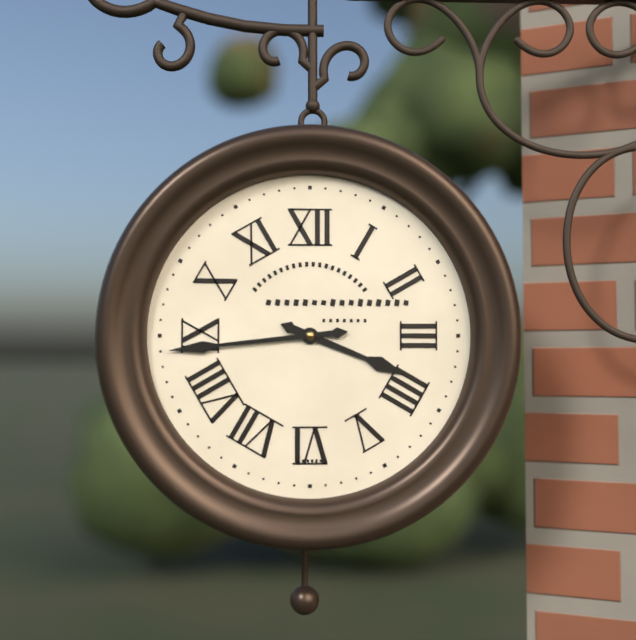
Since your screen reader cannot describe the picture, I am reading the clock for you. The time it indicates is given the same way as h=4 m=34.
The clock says h=3 m=44
